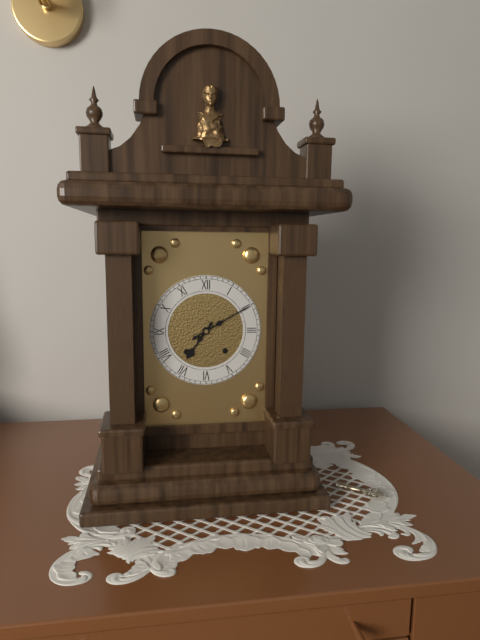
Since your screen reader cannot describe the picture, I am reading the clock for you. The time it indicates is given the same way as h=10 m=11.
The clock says h=7 m=10
